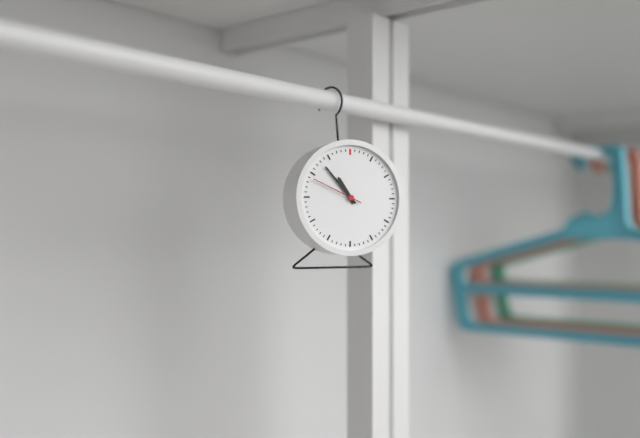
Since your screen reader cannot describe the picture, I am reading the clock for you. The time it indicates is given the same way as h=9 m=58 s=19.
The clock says h=10 m=53 s=49
